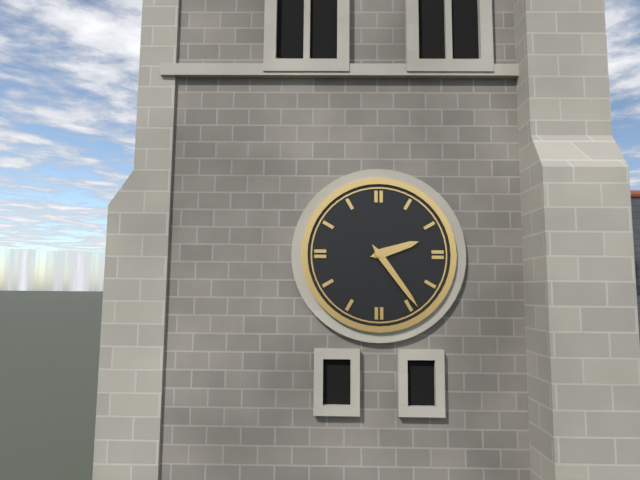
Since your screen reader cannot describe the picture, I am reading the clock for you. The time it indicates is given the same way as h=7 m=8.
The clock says h=2 m=24
